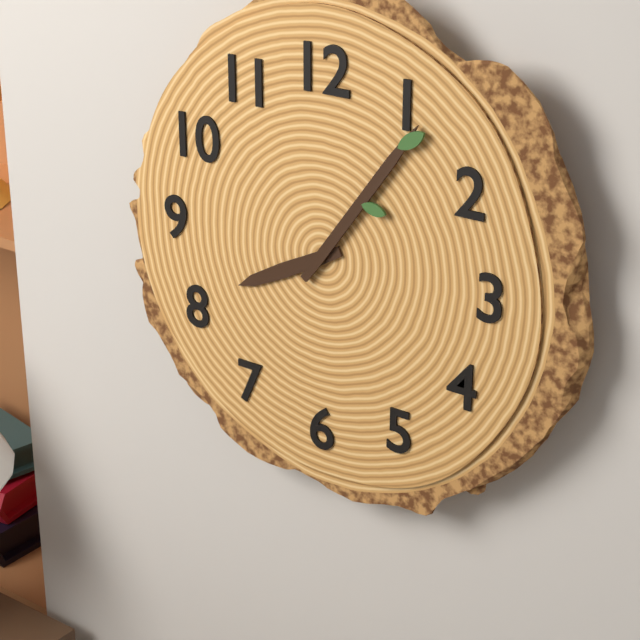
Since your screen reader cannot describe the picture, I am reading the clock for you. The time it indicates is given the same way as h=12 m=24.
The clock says h=8 m=6
